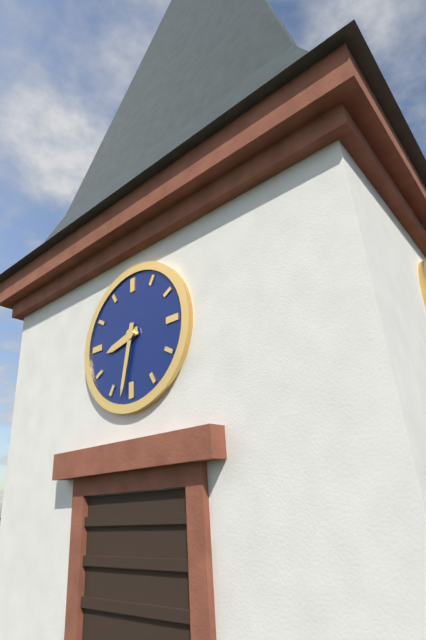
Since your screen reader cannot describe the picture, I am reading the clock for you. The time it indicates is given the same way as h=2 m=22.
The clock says h=8 m=32
